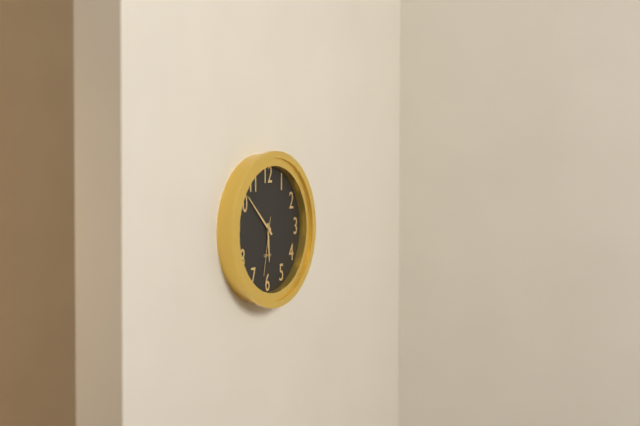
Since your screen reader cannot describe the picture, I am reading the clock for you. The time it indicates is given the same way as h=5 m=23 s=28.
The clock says h=5 m=52 s=32
